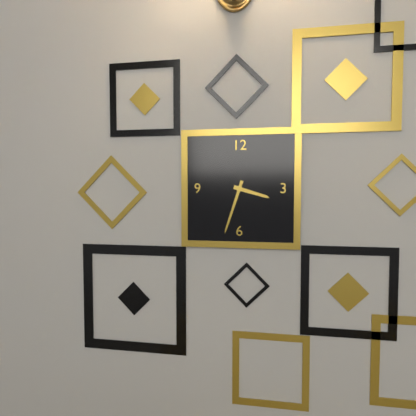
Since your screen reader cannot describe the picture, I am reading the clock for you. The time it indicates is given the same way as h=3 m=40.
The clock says h=3 m=33
